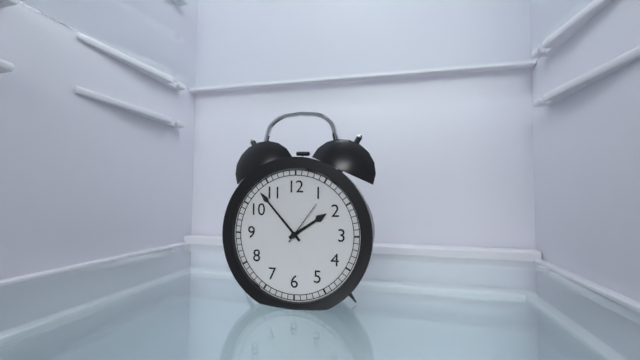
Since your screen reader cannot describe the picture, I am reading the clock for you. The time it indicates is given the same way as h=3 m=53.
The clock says h=1 m=53
